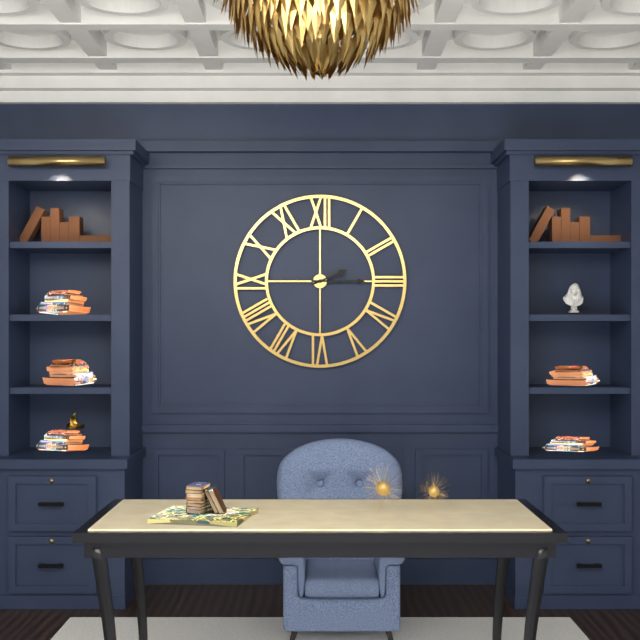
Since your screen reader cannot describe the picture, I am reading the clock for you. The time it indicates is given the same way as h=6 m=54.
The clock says h=2 m=15
